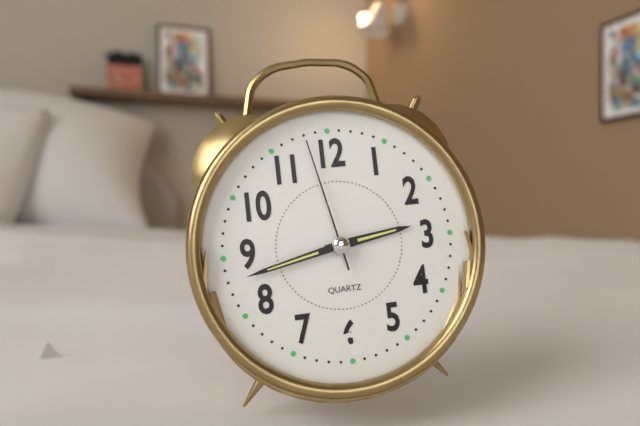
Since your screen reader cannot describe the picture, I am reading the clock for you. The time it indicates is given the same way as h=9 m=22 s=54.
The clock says h=2 m=43 s=58
